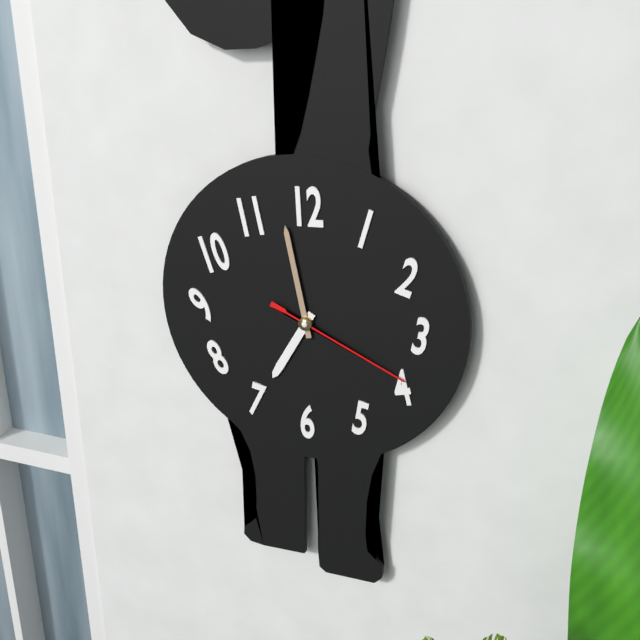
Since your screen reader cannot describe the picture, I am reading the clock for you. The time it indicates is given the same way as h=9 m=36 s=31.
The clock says h=6 m=58 s=19
